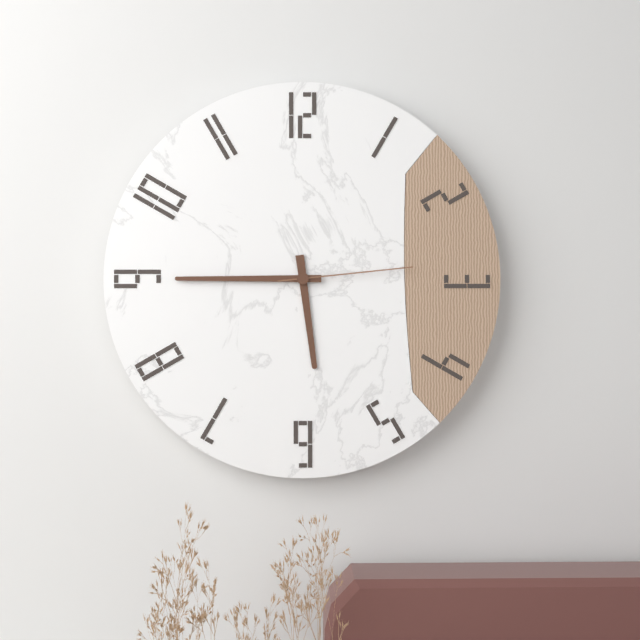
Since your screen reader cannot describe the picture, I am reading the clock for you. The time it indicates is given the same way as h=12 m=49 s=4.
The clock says h=5 m=45 s=14
